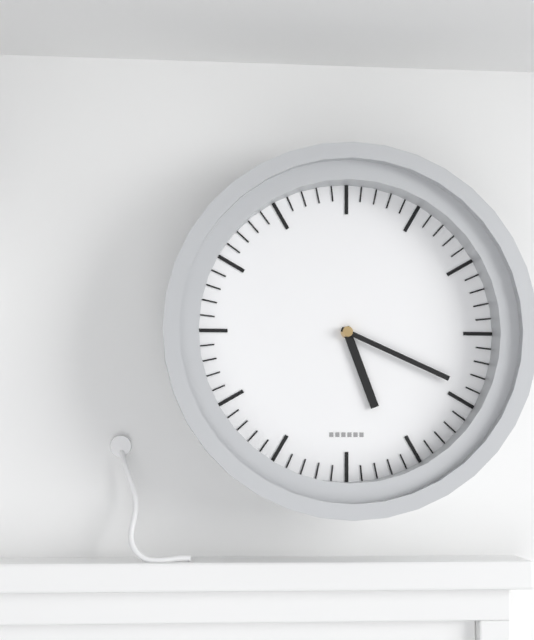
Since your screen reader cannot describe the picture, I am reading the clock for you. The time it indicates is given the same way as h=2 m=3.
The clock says h=5 m=19
